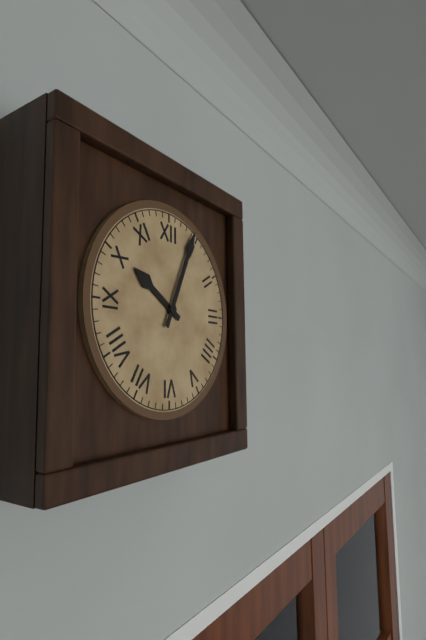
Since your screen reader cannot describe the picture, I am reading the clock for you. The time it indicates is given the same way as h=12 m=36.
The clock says h=10 m=4
